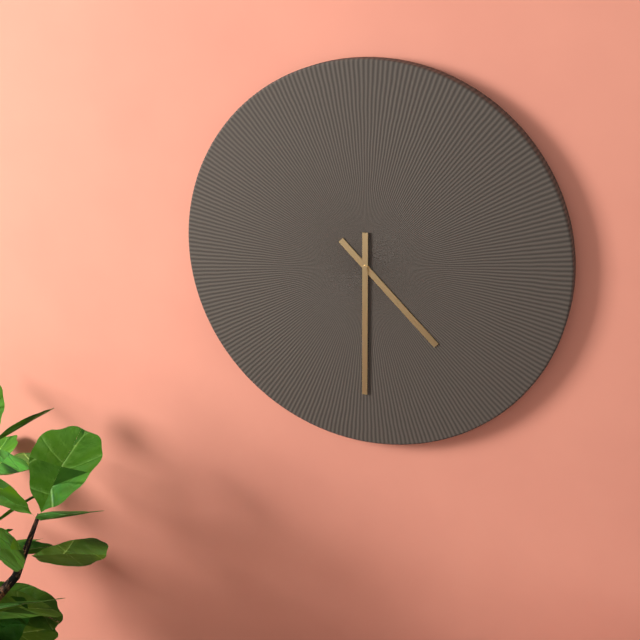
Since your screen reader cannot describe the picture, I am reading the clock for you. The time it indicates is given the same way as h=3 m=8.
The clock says h=4 m=30
